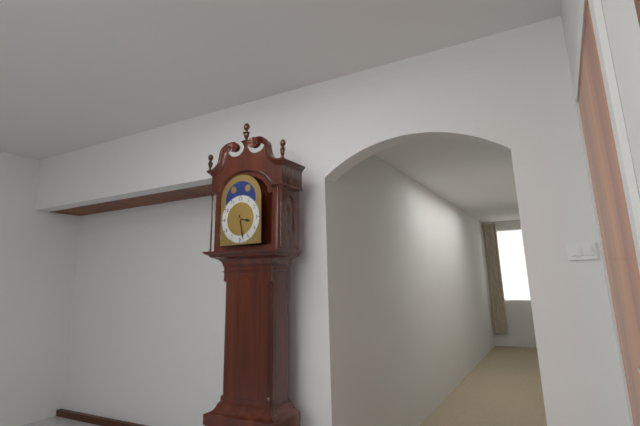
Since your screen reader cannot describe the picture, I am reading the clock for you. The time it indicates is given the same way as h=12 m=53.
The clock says h=3 m=28
